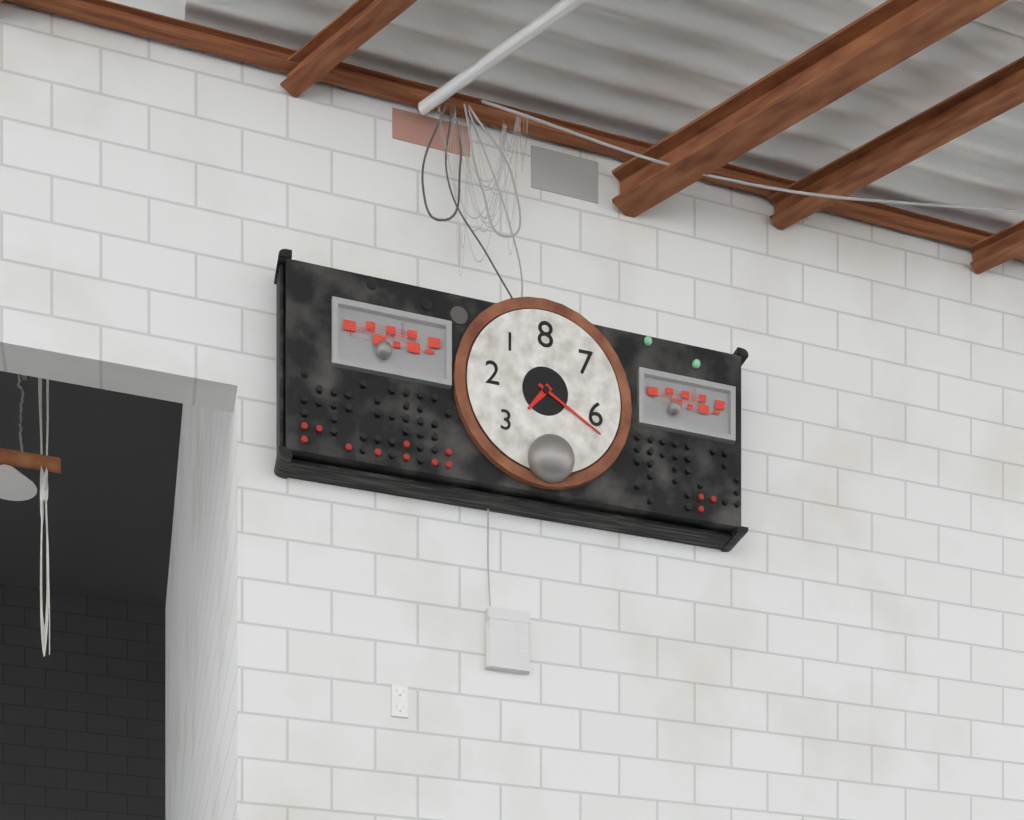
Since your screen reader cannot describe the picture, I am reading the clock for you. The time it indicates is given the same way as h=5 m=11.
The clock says h=7 m=20
